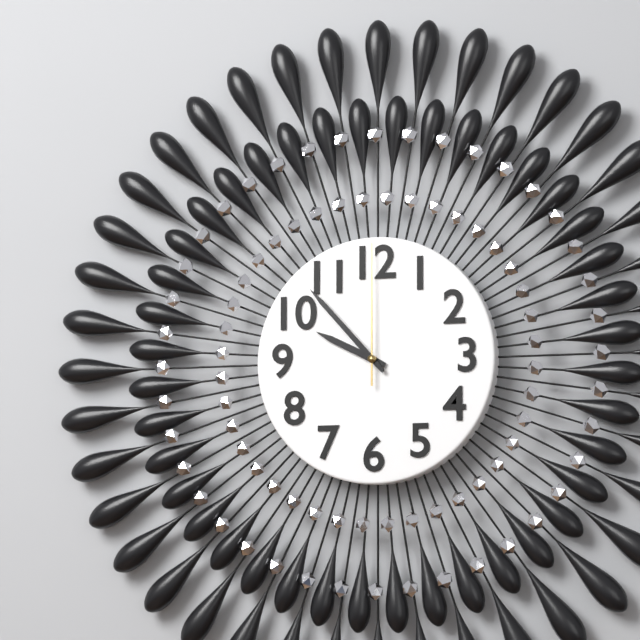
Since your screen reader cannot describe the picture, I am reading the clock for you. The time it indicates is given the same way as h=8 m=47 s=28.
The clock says h=9 m=53 s=0
